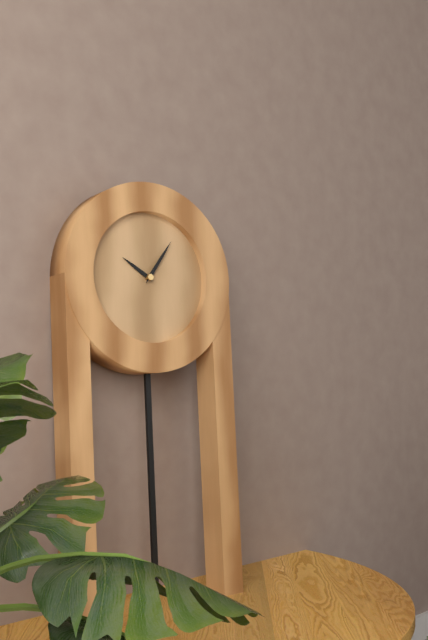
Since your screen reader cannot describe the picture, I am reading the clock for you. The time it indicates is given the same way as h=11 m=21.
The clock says h=10 m=6
